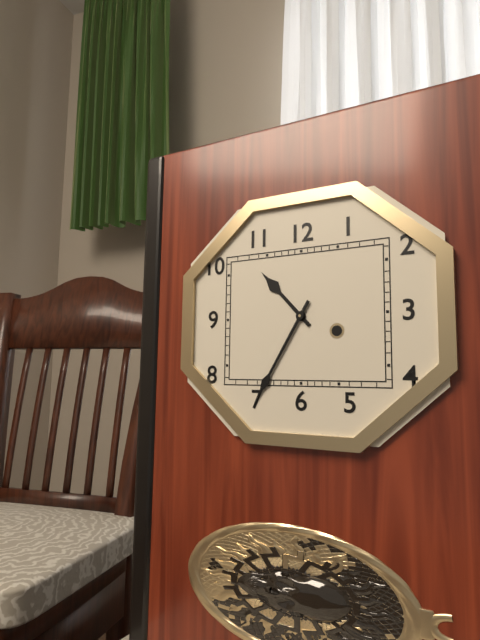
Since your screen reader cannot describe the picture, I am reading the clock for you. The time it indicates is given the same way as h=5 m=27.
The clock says h=10 m=35
